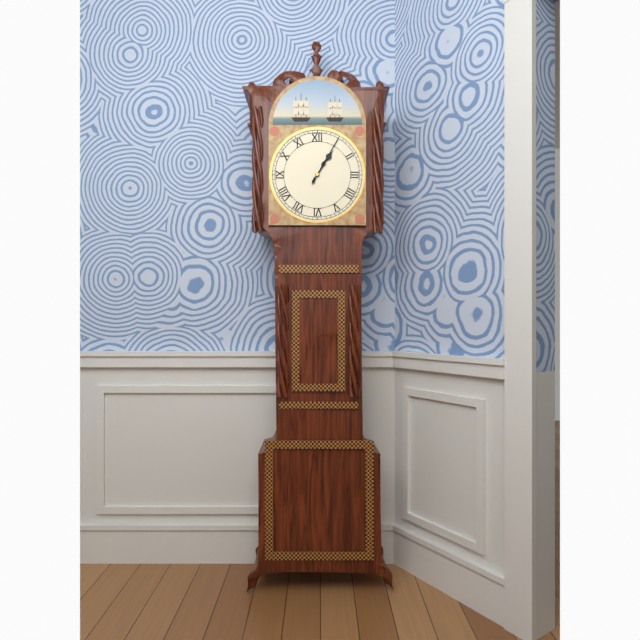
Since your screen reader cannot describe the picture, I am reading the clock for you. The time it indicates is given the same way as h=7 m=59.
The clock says h=1 m=5
